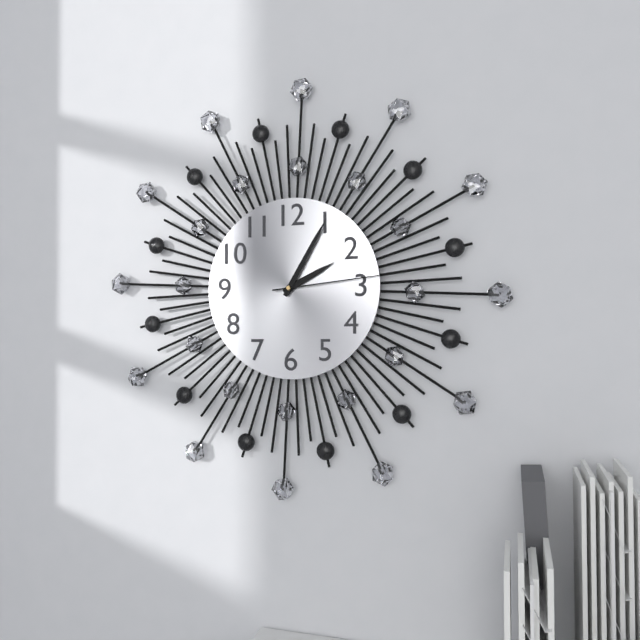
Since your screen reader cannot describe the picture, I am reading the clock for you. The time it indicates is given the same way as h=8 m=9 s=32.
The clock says h=2 m=5 s=14
